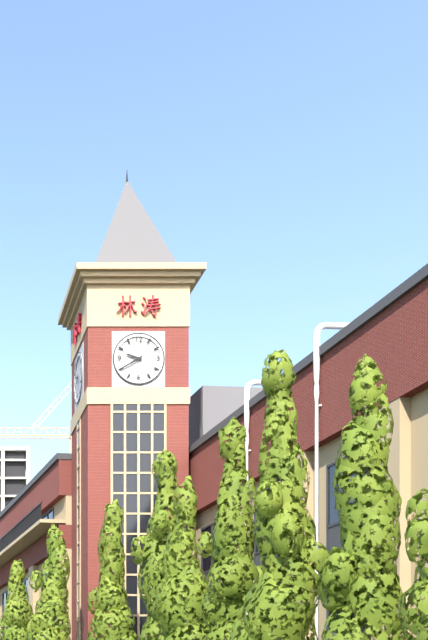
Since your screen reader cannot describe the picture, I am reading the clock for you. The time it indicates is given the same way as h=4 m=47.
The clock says h=9 m=40
